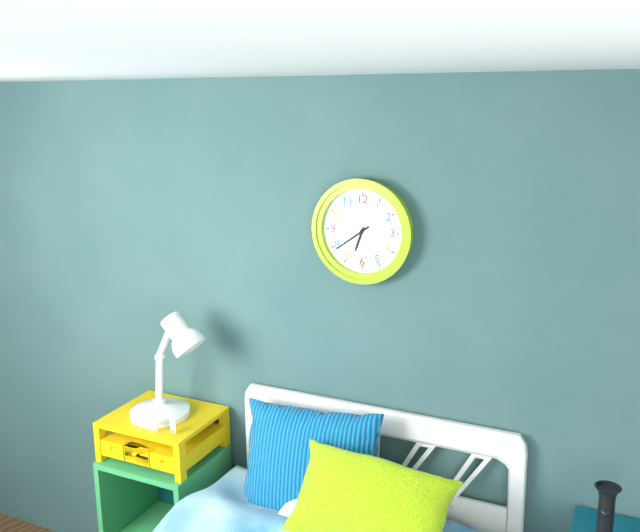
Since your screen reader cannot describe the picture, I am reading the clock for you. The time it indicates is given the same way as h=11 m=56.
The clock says h=6 m=39
